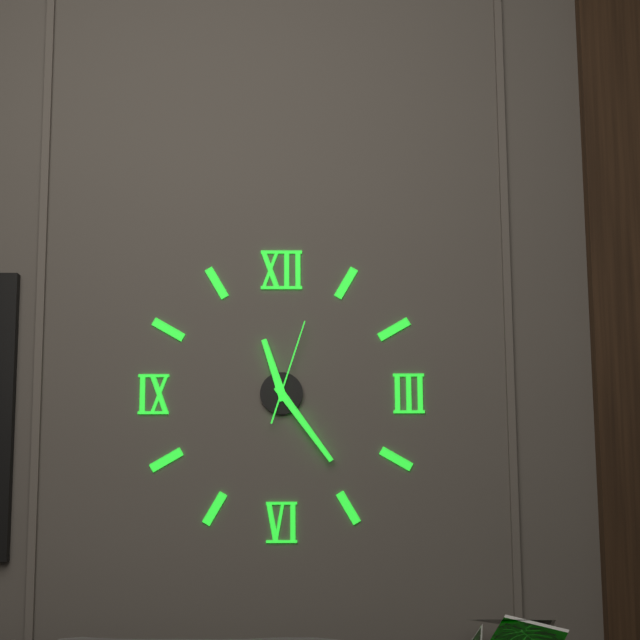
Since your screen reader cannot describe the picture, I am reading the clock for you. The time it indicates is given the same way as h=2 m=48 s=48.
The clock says h=11 m=24 s=3
